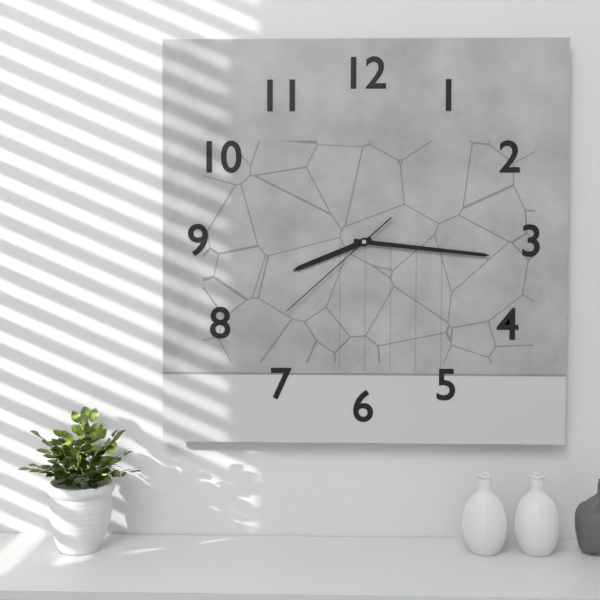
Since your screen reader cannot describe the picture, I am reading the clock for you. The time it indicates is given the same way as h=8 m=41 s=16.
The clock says h=8 m=16 s=38
